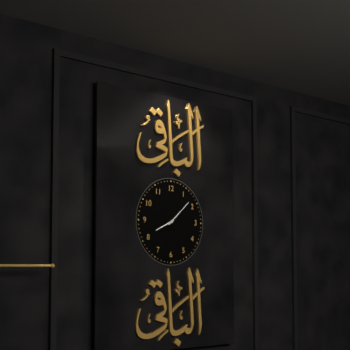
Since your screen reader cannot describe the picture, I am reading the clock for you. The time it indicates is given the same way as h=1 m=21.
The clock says h=8 m=8
